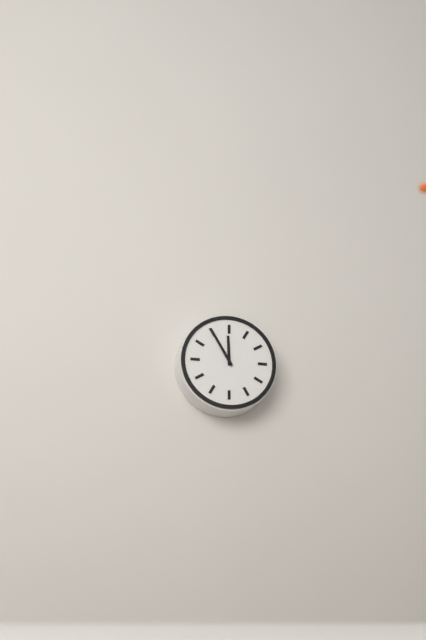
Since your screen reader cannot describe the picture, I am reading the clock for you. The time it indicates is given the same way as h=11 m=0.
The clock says h=11 m=55
